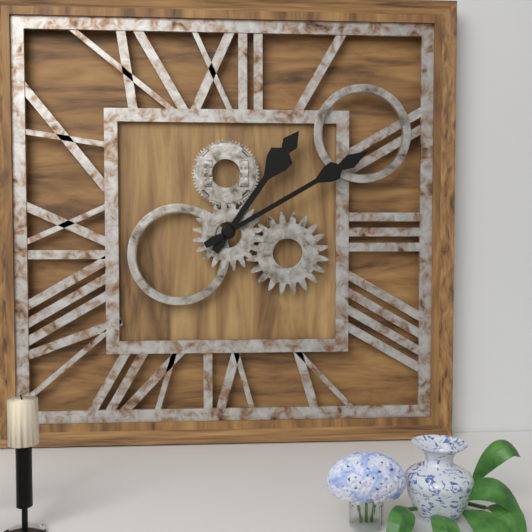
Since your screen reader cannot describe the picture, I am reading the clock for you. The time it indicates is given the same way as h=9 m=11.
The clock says h=1 m=10
